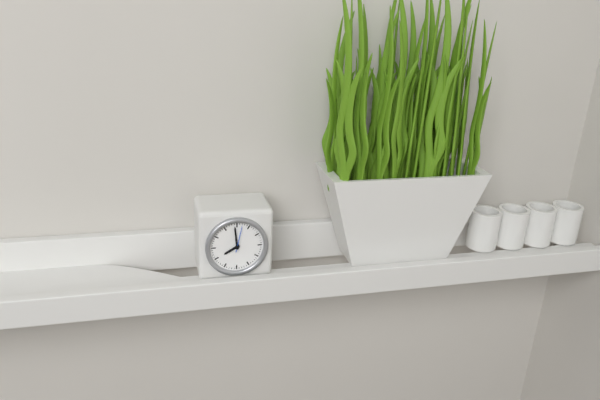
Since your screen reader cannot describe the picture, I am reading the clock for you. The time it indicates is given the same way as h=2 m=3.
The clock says h=7 m=59
